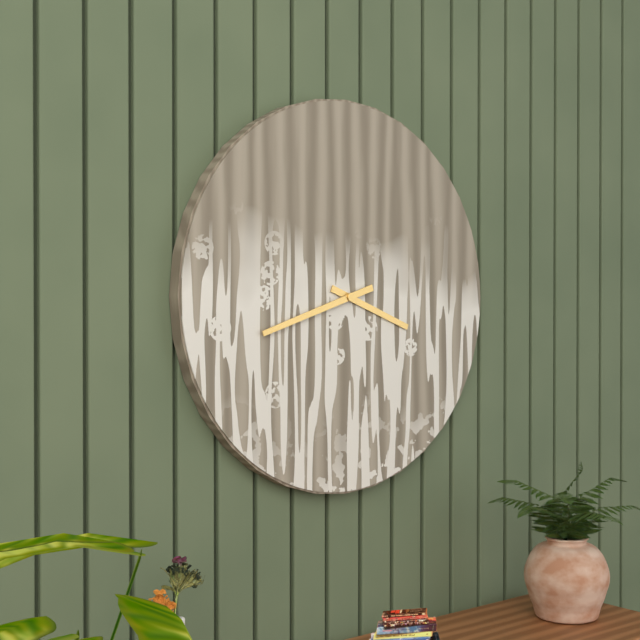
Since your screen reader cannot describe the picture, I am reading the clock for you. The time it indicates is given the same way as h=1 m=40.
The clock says h=3 m=42
